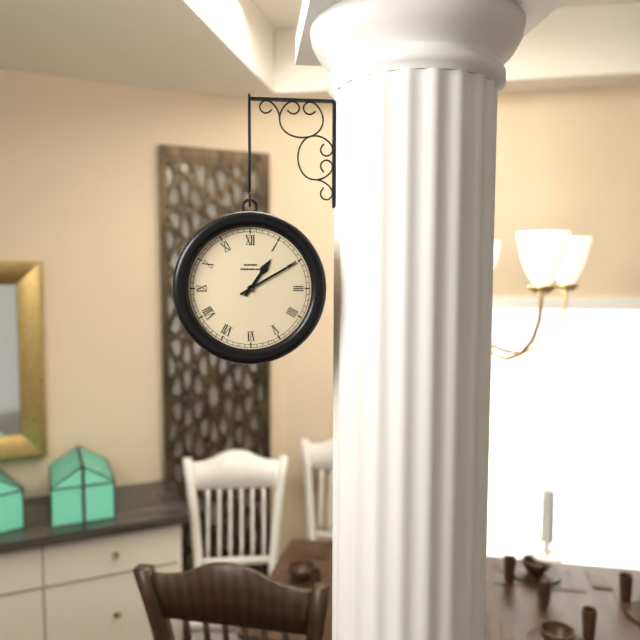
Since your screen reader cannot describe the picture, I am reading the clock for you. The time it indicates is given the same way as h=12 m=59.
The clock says h=1 m=10
